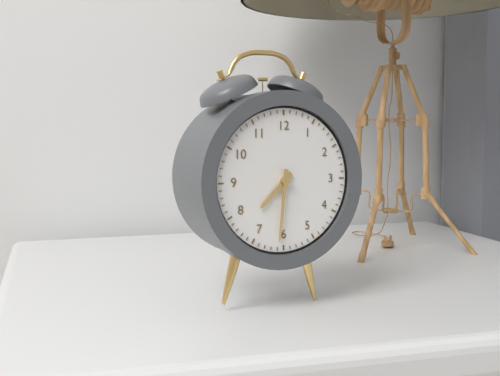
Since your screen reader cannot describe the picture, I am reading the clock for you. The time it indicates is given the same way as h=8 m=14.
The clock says h=7 m=31
